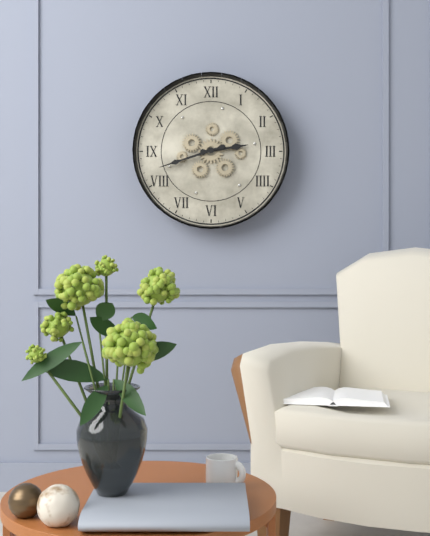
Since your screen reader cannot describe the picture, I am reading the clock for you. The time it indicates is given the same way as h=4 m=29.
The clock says h=2 m=42
